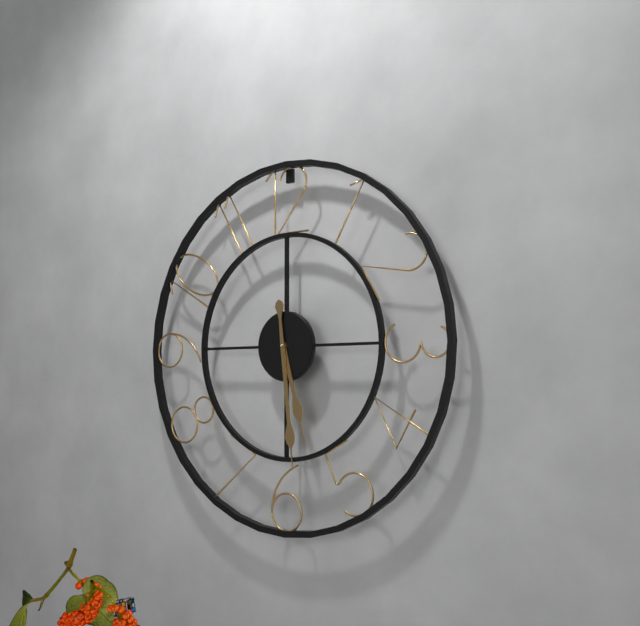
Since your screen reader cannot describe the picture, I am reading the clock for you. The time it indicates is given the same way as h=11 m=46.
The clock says h=5 m=29
